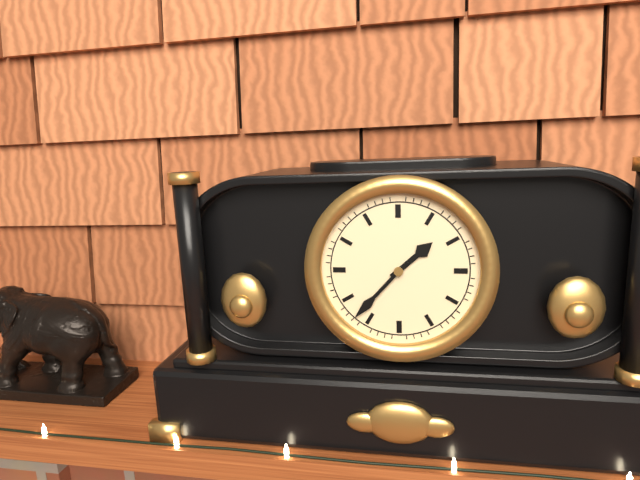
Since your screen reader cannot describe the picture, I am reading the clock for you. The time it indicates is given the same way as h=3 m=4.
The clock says h=1 m=37
